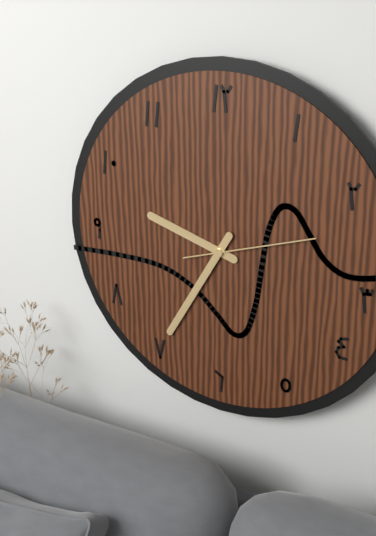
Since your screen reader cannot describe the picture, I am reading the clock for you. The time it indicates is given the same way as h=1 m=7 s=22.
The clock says h=9 m=35 s=12
